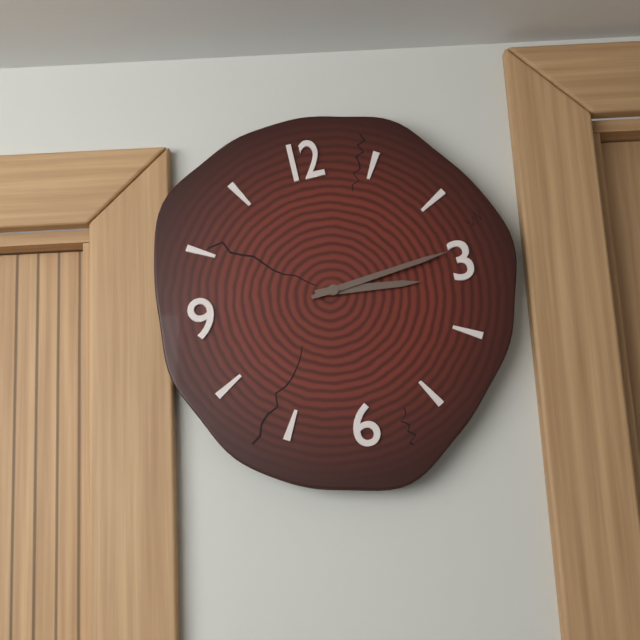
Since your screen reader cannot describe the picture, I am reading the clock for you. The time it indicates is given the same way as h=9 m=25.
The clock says h=3 m=14
